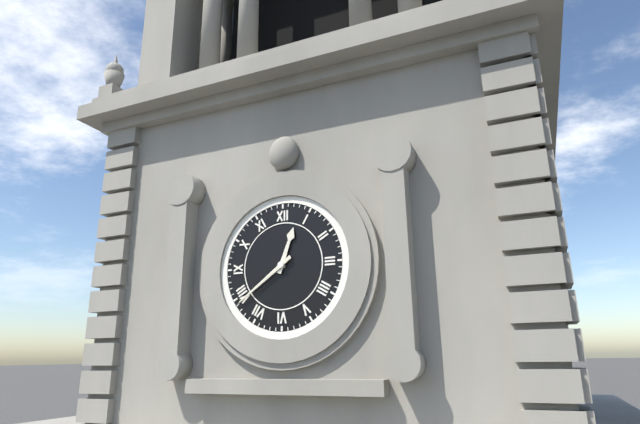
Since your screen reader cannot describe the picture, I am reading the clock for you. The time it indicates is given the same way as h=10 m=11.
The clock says h=12 m=39
